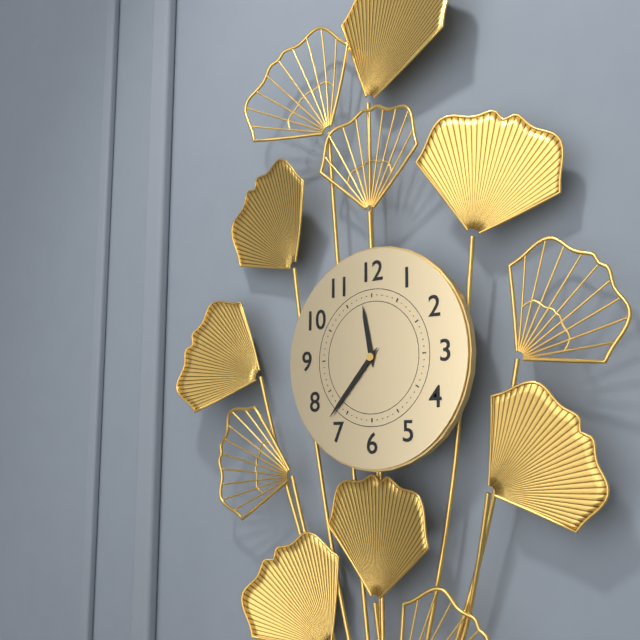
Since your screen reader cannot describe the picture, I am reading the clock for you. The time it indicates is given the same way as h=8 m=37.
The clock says h=11 m=37
